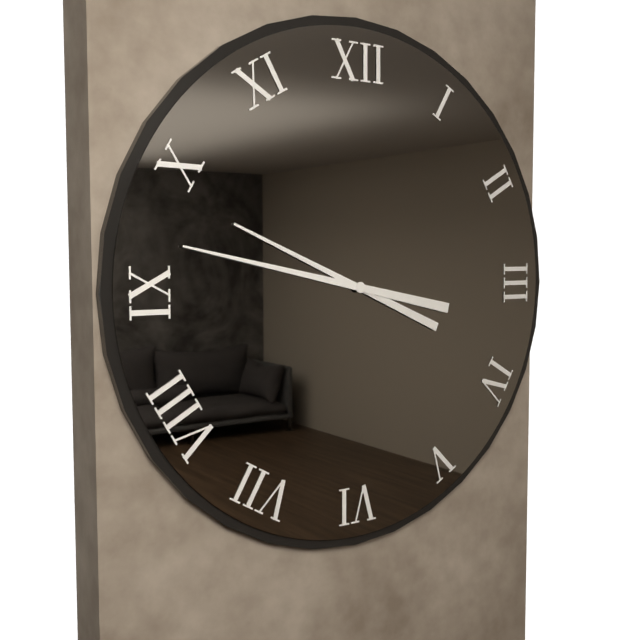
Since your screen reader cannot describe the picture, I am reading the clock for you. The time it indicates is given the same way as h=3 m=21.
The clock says h=9 m=47
